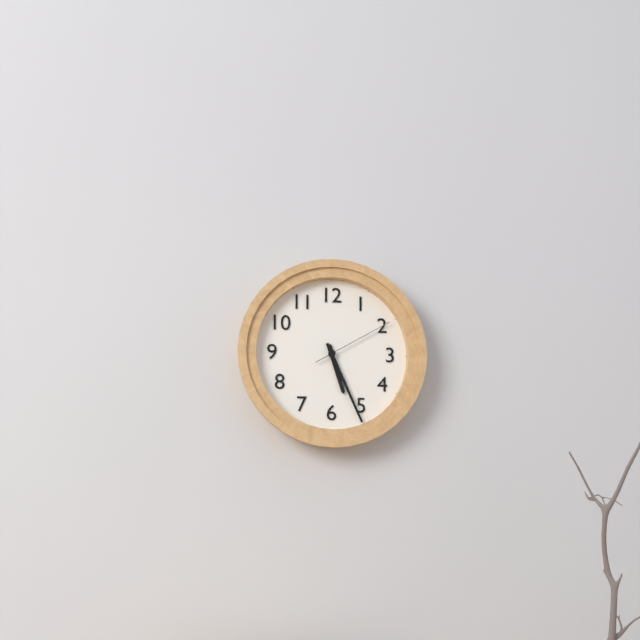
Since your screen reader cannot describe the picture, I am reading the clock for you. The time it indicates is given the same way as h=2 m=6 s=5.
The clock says h=5 m=26 s=10
